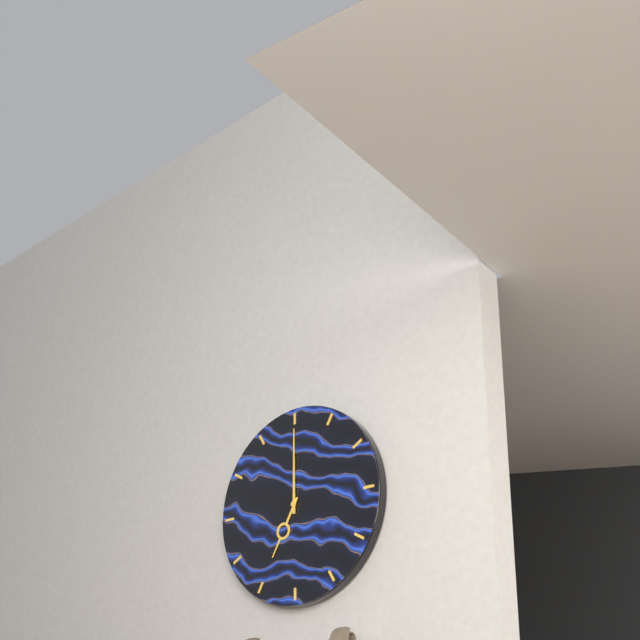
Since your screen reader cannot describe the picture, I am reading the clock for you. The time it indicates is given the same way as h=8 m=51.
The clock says h=7 m=0
